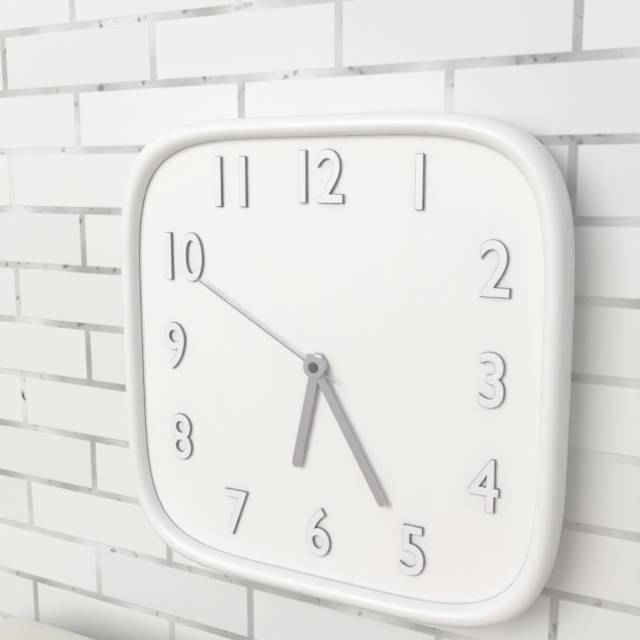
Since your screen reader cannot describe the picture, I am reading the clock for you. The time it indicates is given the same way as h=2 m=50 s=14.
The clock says h=6 m=25 s=50
